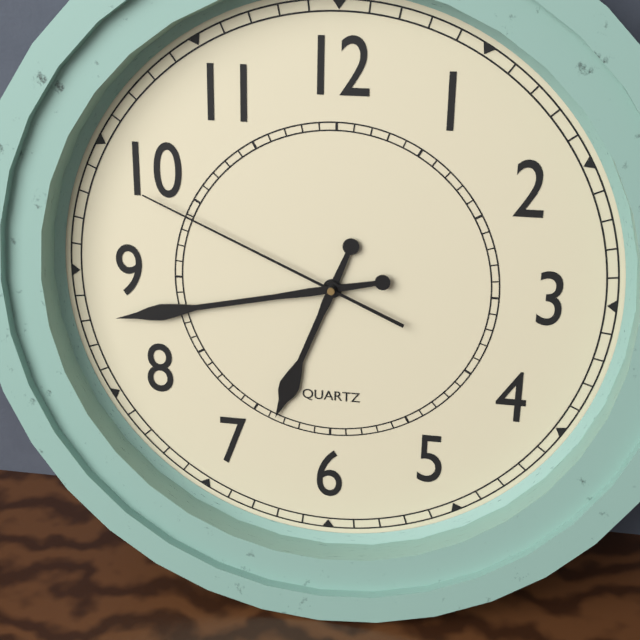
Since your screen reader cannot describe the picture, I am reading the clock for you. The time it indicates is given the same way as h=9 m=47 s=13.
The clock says h=6 m=43 s=49
